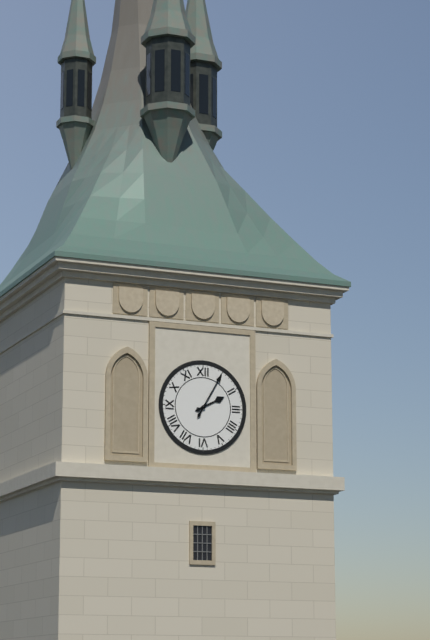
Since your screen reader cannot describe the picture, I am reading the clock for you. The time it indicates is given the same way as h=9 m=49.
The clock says h=2 m=5
